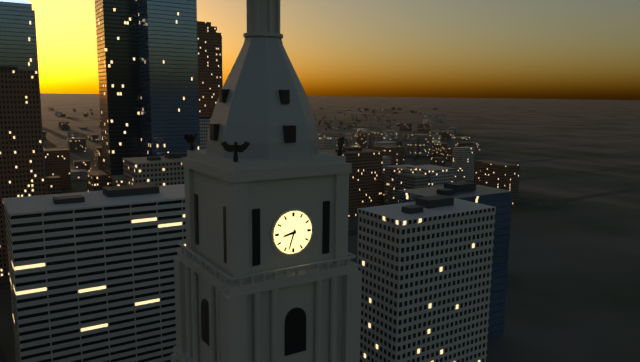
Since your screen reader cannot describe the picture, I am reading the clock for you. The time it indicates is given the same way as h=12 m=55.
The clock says h=8 m=33
